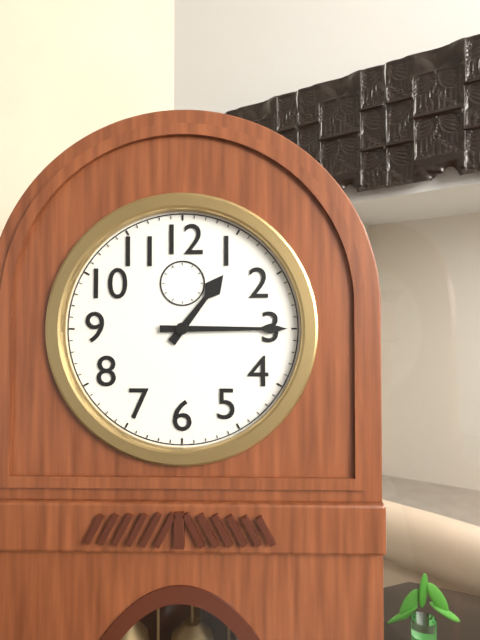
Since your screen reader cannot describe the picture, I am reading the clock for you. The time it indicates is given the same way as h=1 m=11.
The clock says h=1 m=15
